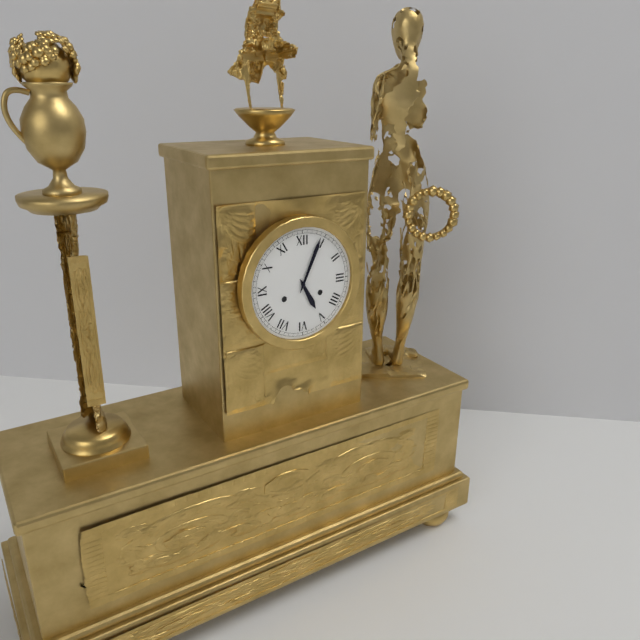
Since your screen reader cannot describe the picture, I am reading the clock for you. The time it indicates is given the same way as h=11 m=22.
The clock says h=5 m=4
